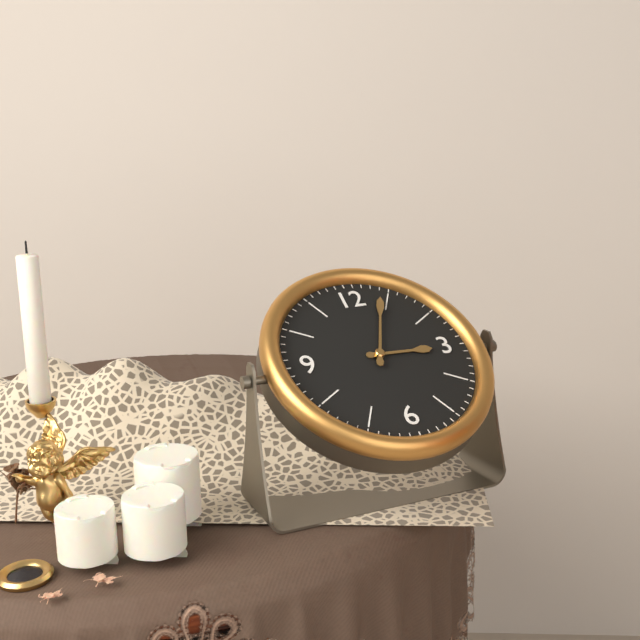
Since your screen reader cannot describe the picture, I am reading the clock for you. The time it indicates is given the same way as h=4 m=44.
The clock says h=3 m=4
